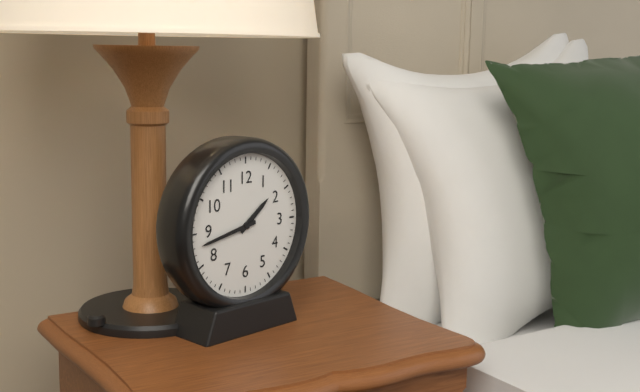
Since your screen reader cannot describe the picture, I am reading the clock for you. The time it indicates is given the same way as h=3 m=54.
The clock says h=1 m=43
